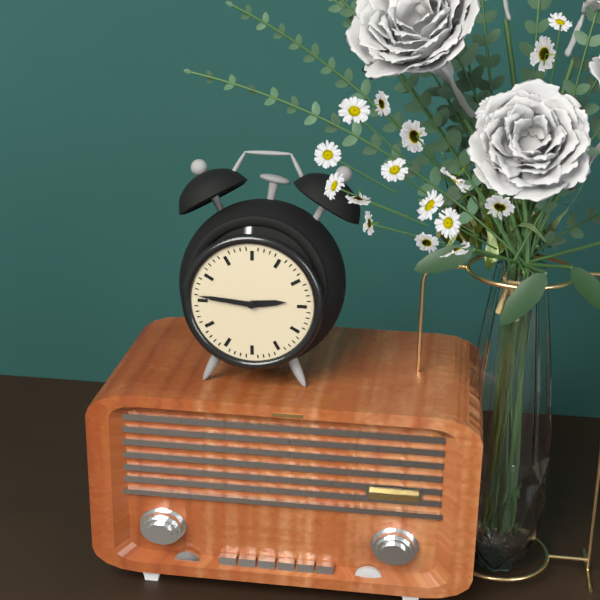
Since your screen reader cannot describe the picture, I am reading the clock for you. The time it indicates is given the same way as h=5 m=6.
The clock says h=2 m=46
